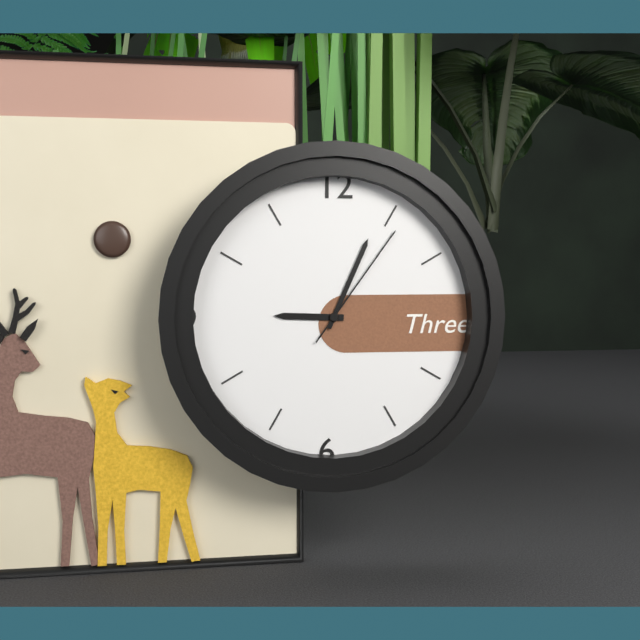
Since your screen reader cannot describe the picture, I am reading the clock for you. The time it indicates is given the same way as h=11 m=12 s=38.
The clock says h=9 m=4 s=6
